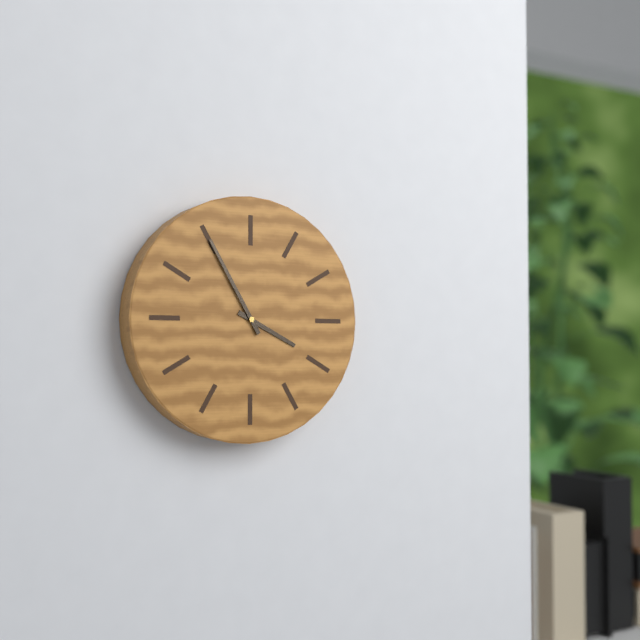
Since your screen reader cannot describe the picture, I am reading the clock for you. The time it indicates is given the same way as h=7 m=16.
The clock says h=3 m=55
